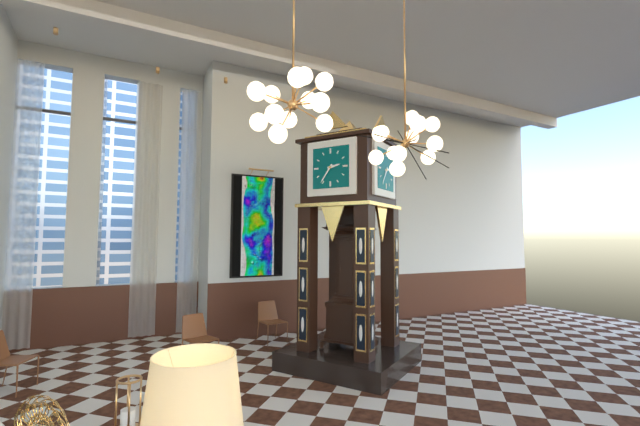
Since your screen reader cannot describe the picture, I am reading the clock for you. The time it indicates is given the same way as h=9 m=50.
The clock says h=2 m=36
